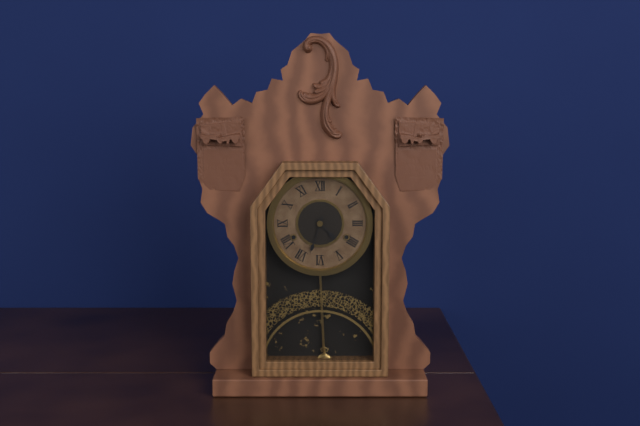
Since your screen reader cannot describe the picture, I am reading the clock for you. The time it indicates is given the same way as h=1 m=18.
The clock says h=4 m=33
